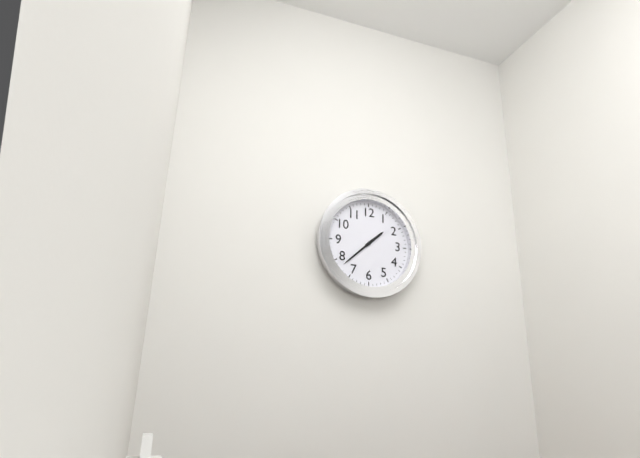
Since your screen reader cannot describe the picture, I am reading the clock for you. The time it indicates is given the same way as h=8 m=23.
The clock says h=1 m=38
